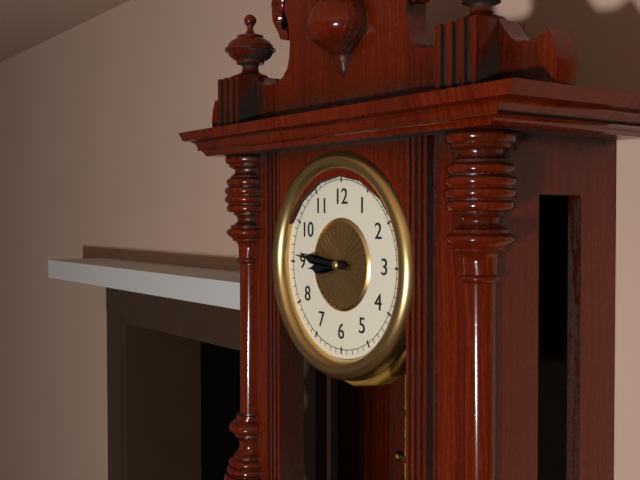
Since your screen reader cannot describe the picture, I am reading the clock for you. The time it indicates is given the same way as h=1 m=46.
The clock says h=8 m=46
